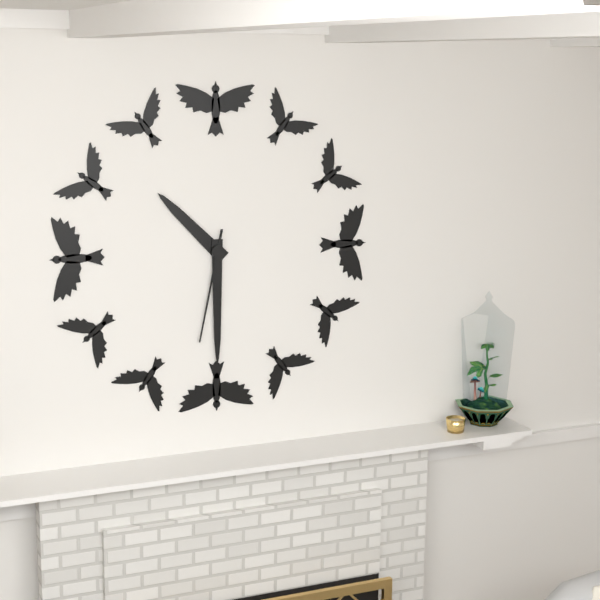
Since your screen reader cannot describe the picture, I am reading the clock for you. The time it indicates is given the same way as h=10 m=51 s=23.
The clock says h=10 m=30 s=32
